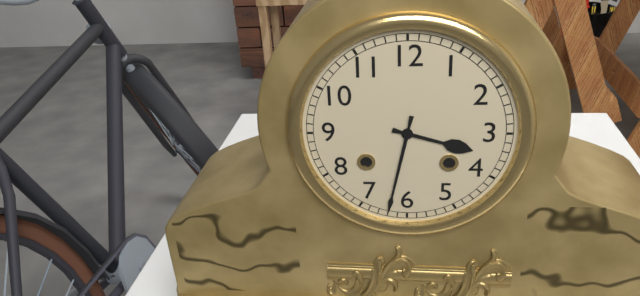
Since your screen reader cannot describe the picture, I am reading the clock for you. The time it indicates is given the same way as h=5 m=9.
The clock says h=3 m=32
